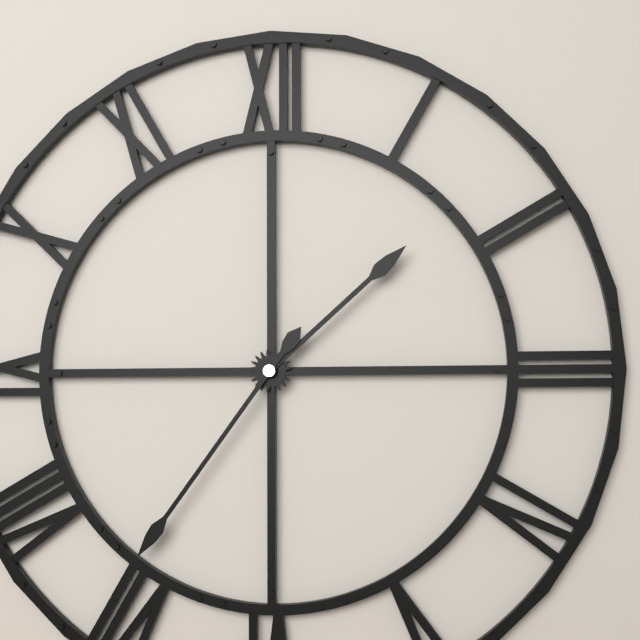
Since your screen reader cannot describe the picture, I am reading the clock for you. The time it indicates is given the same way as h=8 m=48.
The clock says h=1 m=36
